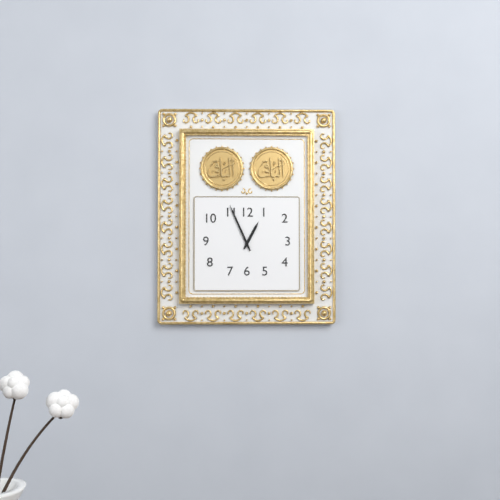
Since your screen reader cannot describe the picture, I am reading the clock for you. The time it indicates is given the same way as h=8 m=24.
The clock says h=12 m=56
